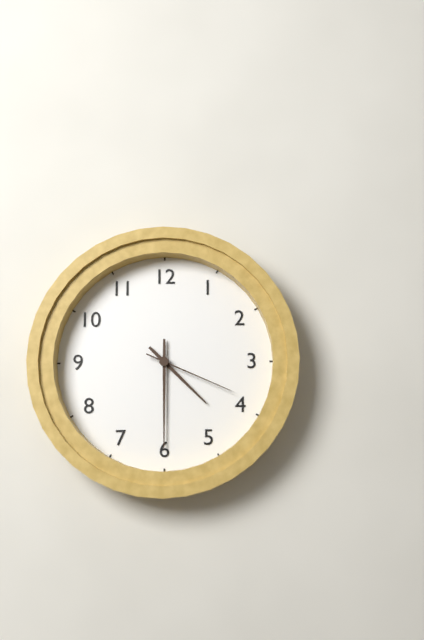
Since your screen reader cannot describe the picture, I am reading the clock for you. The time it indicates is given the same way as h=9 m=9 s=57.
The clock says h=4 m=30 s=19
